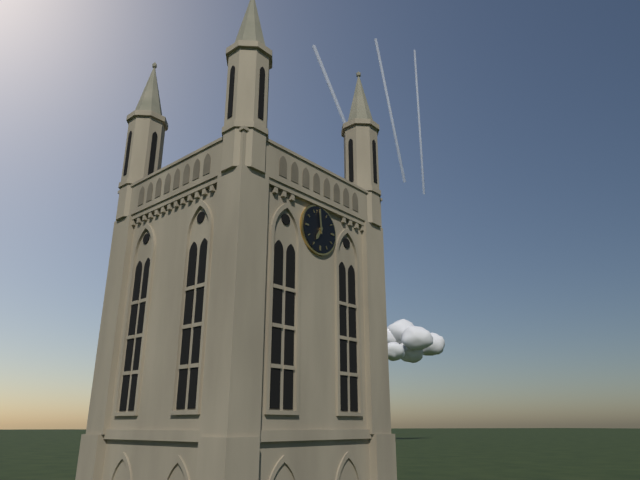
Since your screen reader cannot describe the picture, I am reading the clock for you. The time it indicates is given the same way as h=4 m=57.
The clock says h=6 m=59
